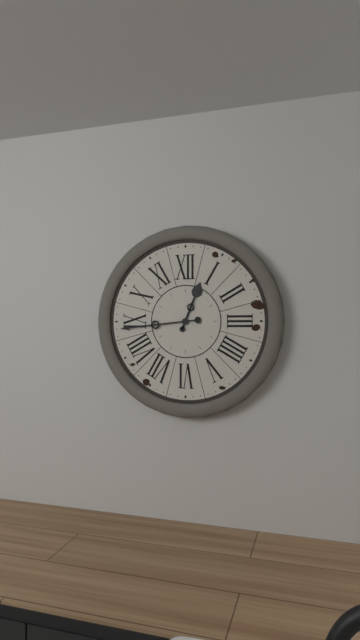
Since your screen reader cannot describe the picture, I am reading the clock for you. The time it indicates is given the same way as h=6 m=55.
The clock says h=12 m=44
